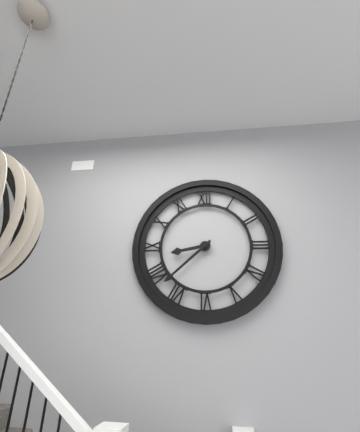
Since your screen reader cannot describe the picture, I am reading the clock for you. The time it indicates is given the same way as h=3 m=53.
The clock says h=8 m=38
